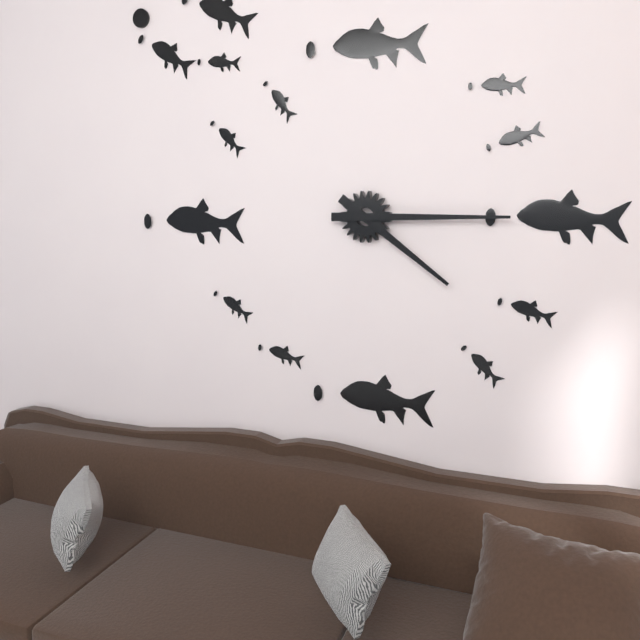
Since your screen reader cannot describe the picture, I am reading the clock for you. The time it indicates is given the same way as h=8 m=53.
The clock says h=4 m=15
